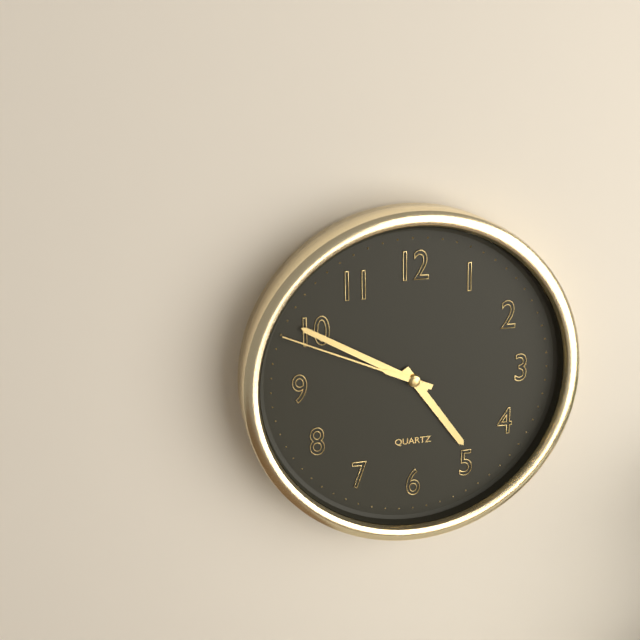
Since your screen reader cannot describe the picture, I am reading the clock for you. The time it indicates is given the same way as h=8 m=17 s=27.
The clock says h=4 m=50 s=49
